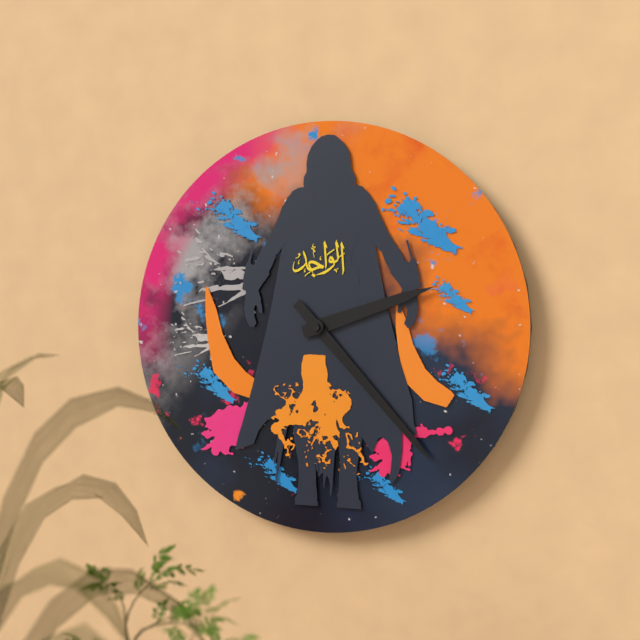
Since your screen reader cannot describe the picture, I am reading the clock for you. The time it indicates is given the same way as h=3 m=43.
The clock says h=2 m=23
